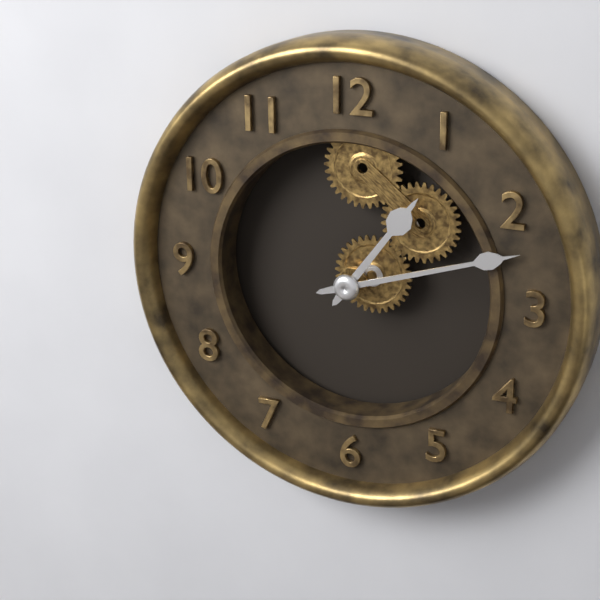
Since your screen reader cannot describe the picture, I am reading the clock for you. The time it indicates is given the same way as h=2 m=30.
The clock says h=1 m=12
